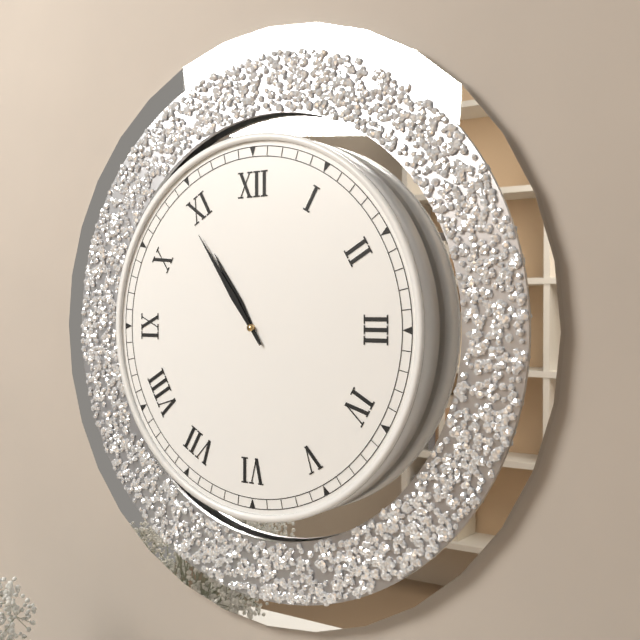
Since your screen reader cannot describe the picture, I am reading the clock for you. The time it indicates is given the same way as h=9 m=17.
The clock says h=10 m=54
